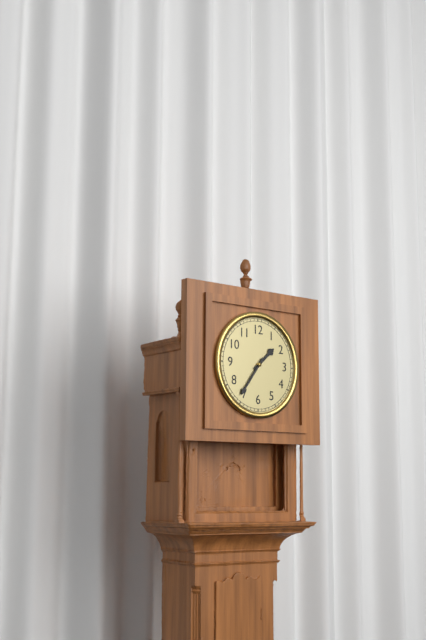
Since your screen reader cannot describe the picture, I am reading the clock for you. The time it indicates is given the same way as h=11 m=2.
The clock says h=1 m=36
